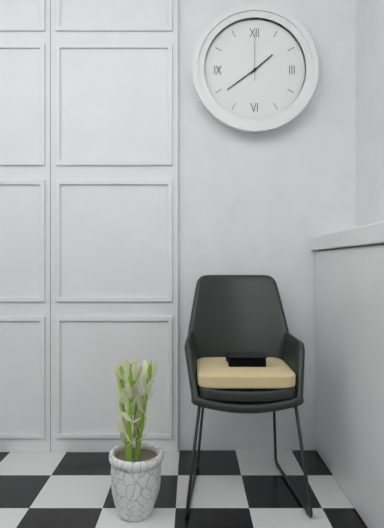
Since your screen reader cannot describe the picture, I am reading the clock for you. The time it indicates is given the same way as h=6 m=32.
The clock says h=1 m=39
